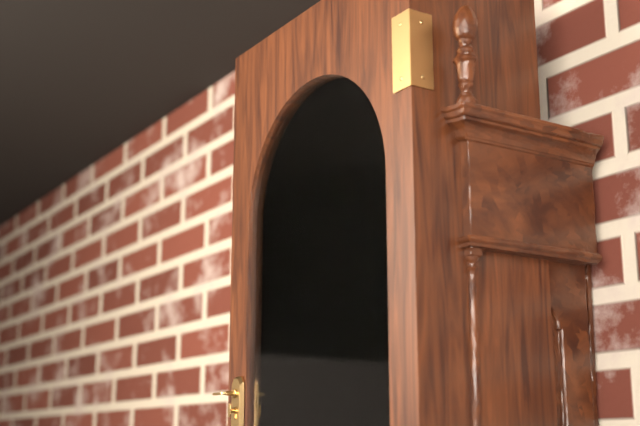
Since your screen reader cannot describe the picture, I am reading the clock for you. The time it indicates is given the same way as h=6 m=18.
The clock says h=6 m=48
